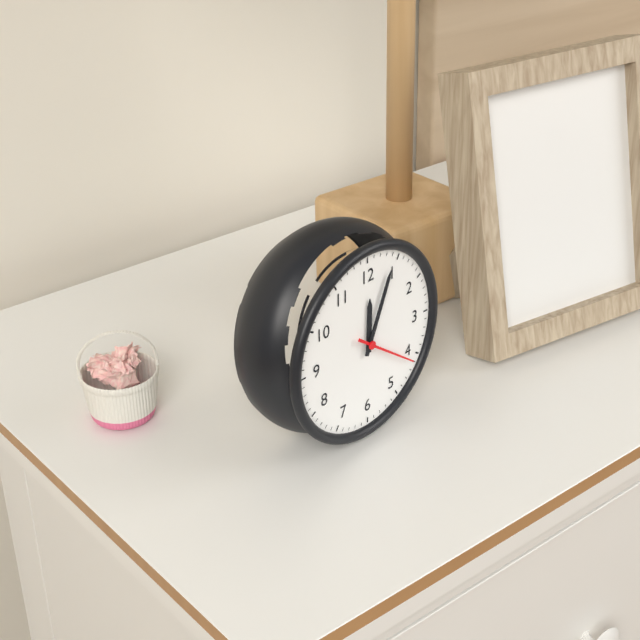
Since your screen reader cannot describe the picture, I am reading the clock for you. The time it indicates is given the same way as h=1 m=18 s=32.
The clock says h=12 m=4 s=21
